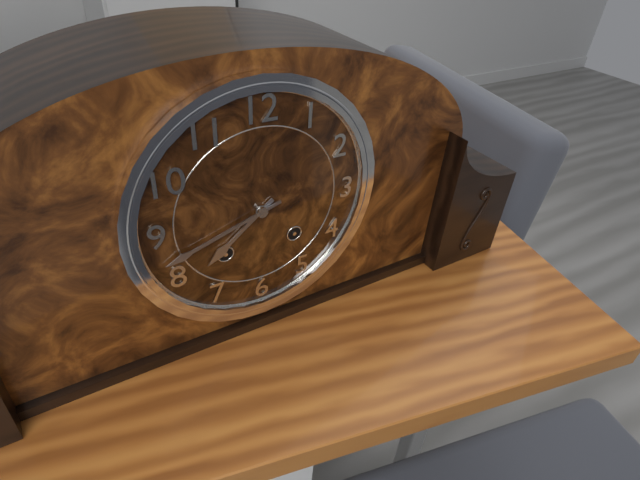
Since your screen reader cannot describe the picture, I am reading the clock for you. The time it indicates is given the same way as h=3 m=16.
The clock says h=7 m=42
